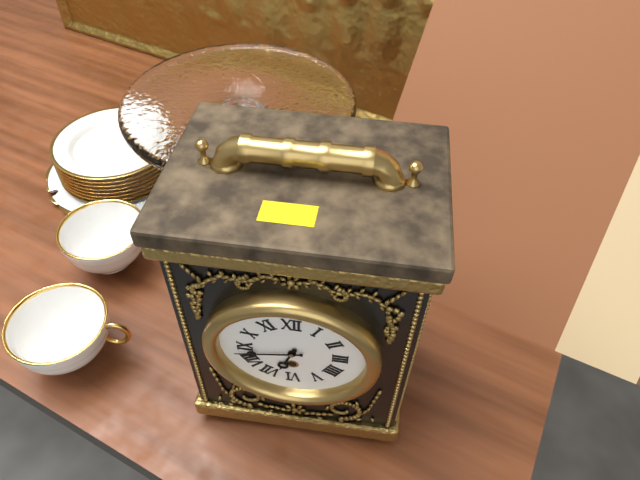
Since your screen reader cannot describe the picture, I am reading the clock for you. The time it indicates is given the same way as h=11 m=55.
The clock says h=6 m=43
